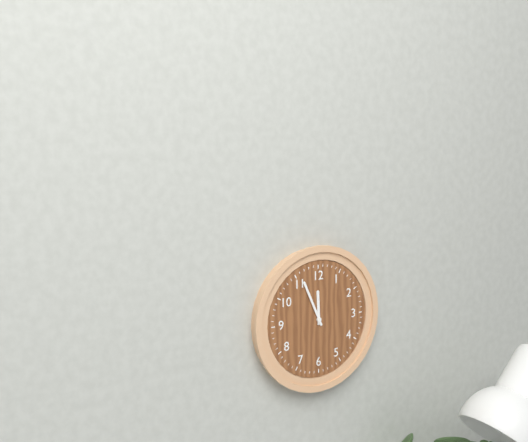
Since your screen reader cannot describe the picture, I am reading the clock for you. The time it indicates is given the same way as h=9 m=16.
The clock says h=11 m=56
